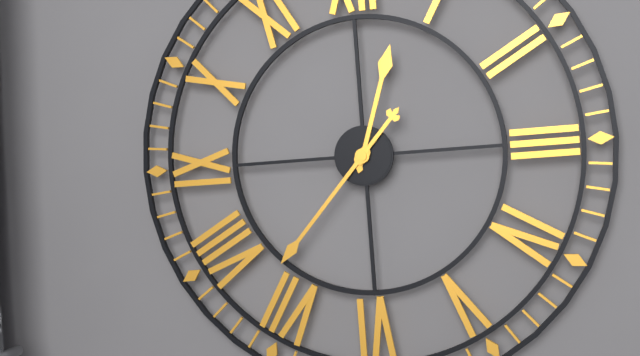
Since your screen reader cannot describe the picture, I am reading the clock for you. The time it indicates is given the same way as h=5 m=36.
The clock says h=12 m=37
